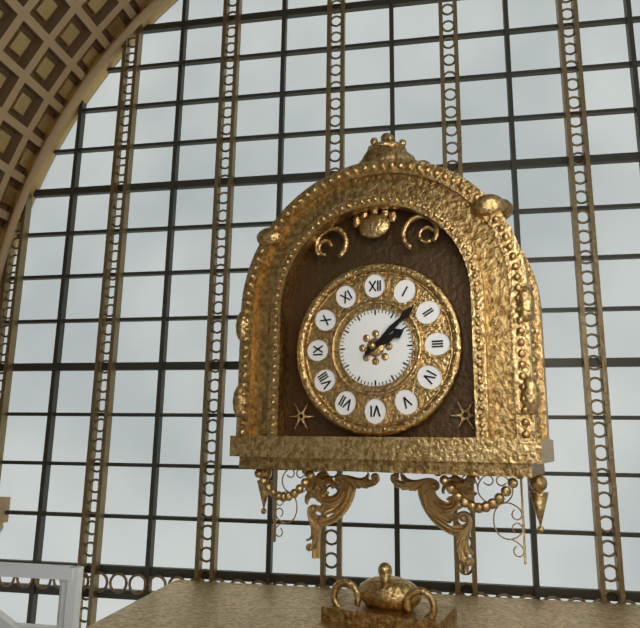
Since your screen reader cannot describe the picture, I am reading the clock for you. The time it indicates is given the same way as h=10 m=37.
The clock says h=2 m=8
